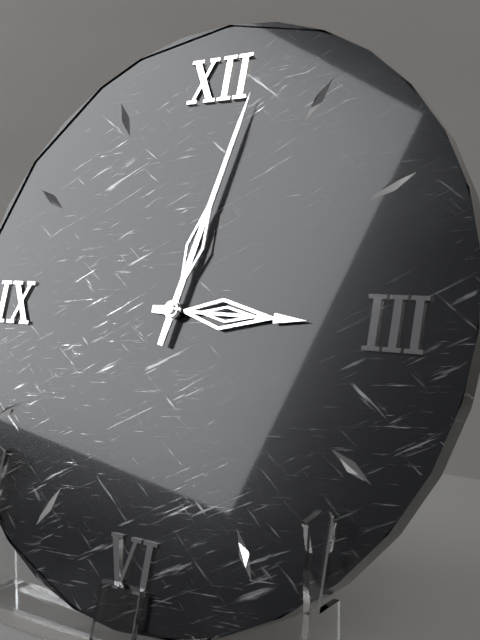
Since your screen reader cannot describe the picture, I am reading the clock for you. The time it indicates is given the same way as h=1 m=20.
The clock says h=3 m=2
